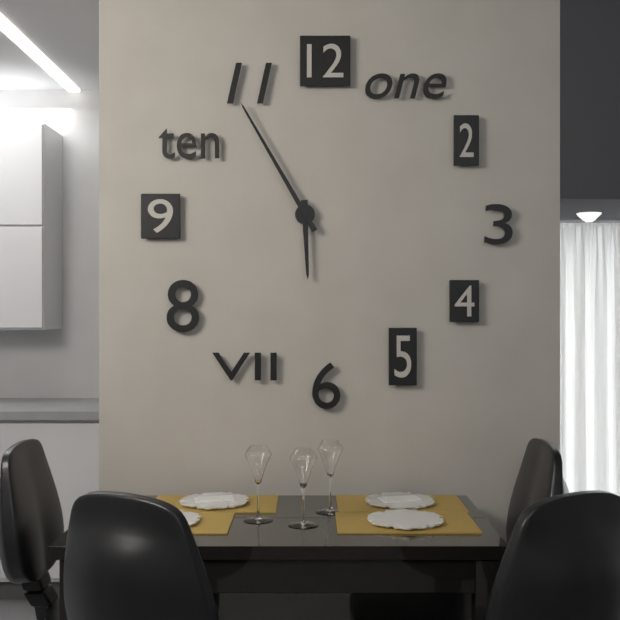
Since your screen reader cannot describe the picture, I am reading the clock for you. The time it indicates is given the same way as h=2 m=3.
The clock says h=5 m=55
